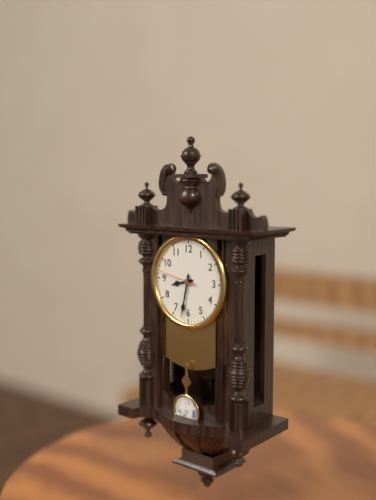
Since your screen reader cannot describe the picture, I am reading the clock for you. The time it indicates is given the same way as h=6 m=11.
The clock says h=8 m=32
